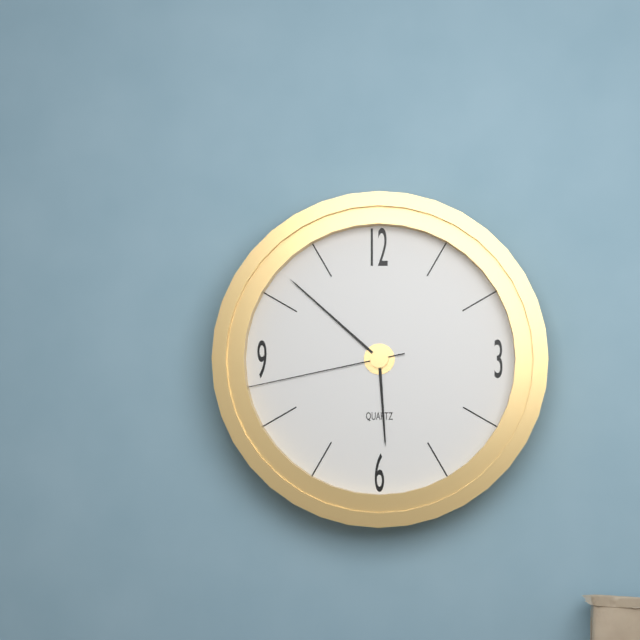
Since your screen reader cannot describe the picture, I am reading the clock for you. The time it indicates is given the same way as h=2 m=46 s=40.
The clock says h=5 m=52 s=43
